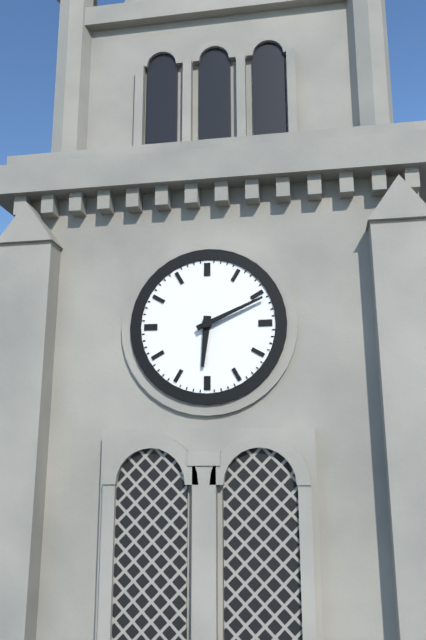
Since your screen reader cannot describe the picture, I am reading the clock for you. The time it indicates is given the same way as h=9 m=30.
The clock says h=6 m=11
